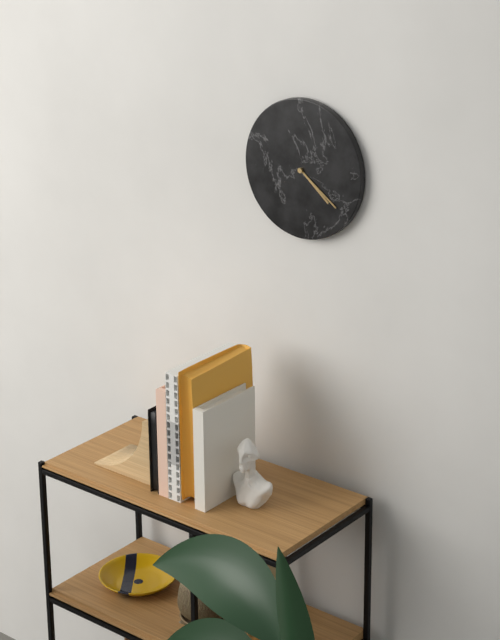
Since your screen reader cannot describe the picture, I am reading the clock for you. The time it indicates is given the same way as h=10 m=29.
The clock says h=4 m=21
